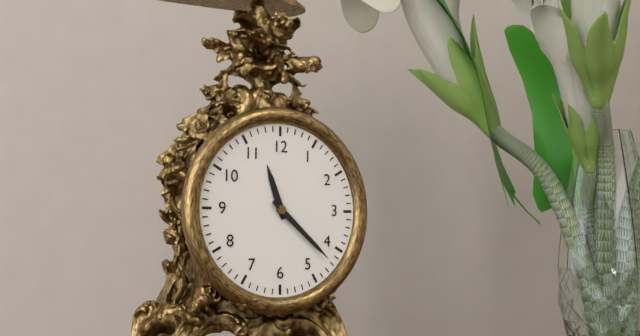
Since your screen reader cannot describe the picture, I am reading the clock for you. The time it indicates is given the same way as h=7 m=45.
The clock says h=11 m=22
